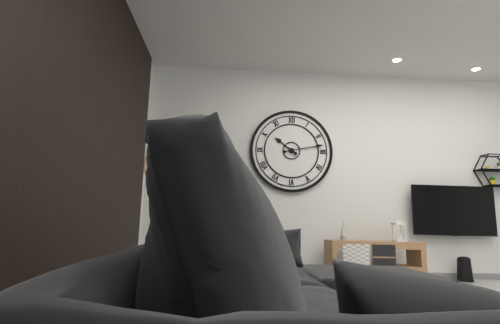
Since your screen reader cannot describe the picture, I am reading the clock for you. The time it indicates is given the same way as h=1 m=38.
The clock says h=10 m=13
